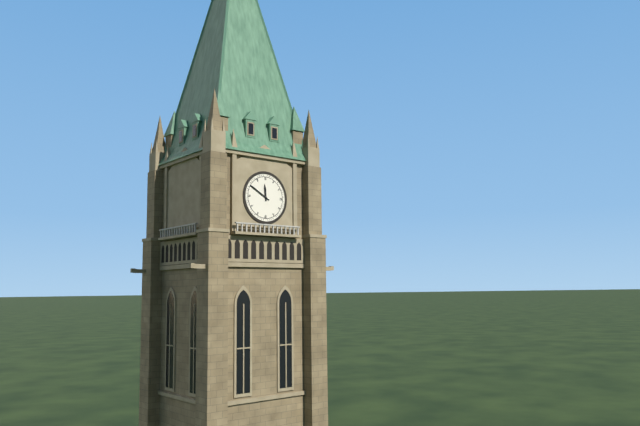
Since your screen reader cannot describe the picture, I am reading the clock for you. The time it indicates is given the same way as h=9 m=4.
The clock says h=11 m=50
